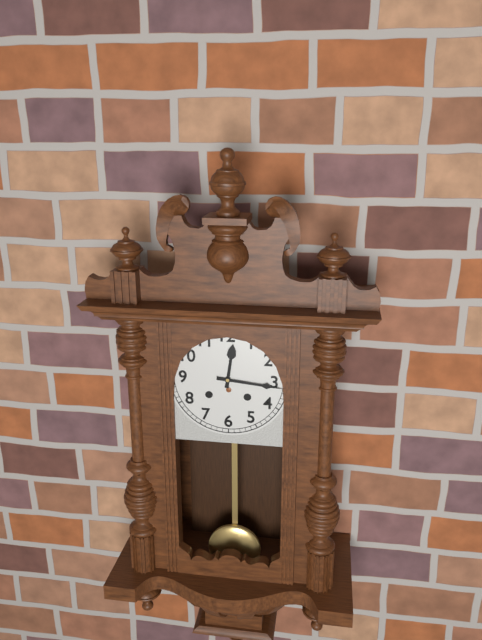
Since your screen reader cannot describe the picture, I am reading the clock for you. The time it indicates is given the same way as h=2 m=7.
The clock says h=12 m=16
